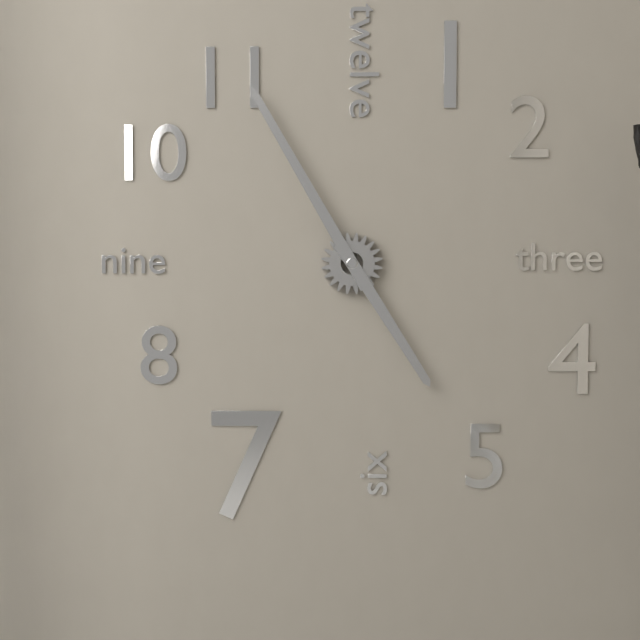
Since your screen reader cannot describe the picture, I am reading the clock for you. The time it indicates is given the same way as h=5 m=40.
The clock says h=4 m=55
